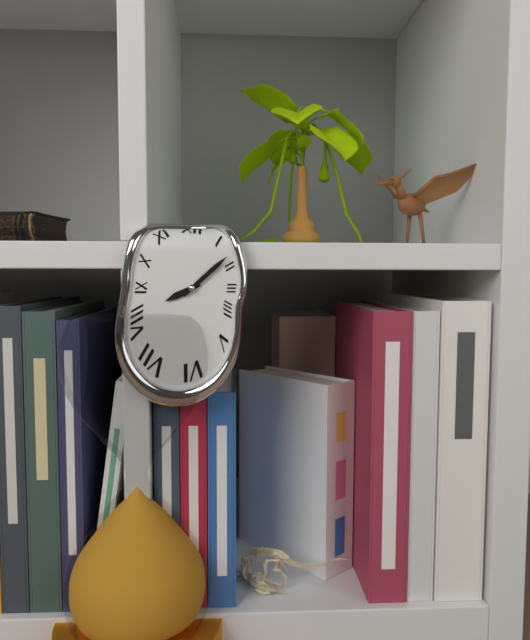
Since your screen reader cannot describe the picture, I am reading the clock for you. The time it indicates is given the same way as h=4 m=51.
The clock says h=8 m=8
